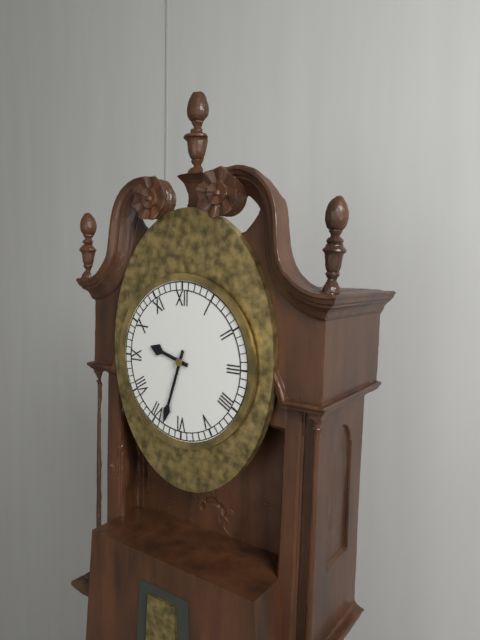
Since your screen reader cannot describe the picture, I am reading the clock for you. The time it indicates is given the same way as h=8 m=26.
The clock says h=9 m=33
